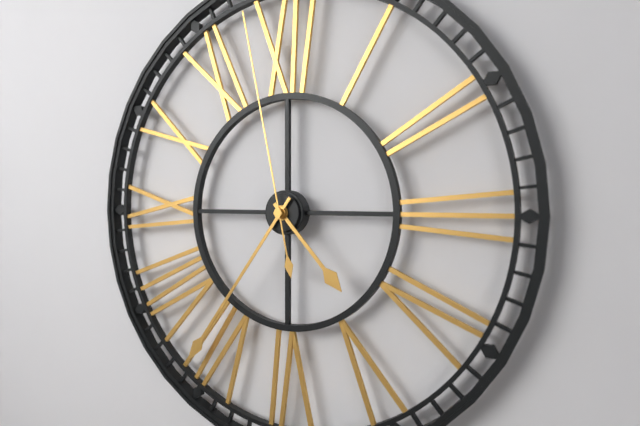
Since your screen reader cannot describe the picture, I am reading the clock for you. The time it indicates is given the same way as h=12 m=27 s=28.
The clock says h=4 m=36 s=58
